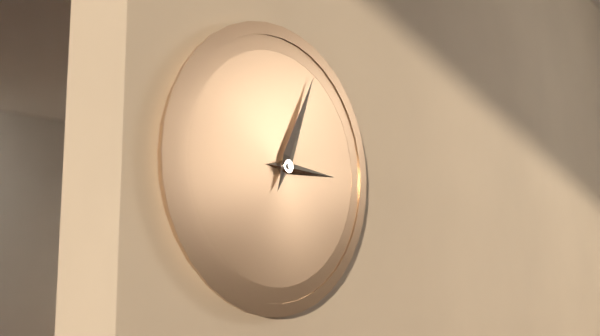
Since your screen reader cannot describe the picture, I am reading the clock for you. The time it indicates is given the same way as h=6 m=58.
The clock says h=3 m=4
